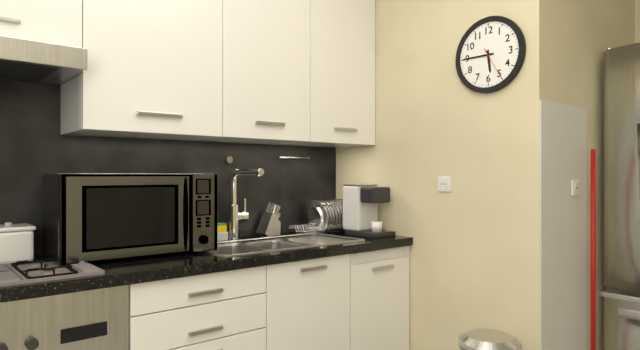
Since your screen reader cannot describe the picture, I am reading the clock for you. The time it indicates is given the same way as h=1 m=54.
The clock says h=5 m=45
